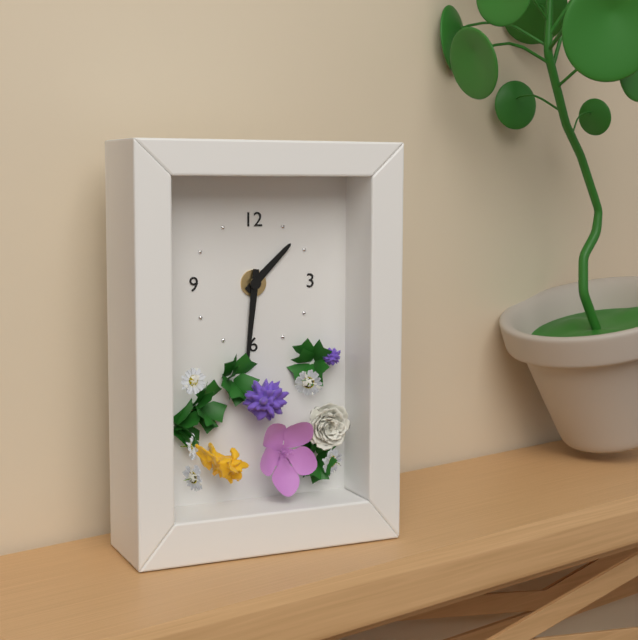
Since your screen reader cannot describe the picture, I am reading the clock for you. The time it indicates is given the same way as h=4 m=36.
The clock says h=1 m=31
